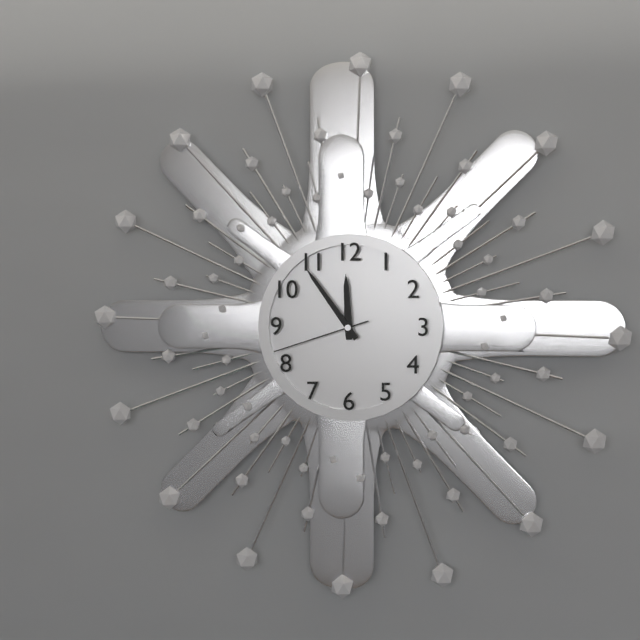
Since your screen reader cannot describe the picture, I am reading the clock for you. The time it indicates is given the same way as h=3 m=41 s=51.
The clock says h=11 m=54 s=42
